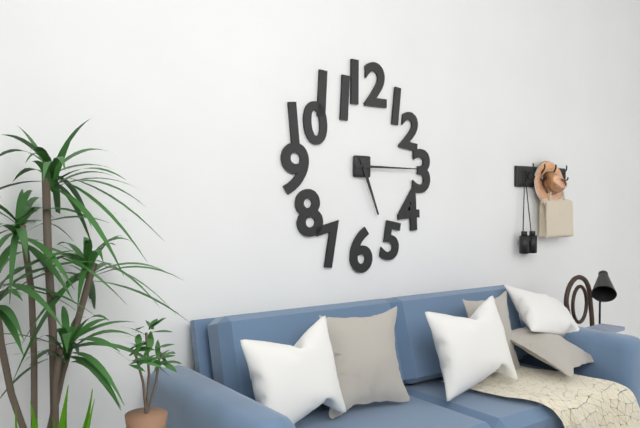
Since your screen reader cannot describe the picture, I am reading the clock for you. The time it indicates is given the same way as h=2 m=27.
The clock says h=5 m=15
